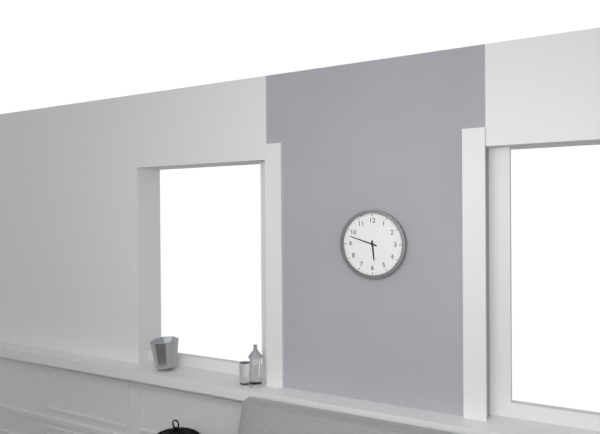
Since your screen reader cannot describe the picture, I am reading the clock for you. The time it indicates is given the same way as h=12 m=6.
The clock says h=5 m=48
